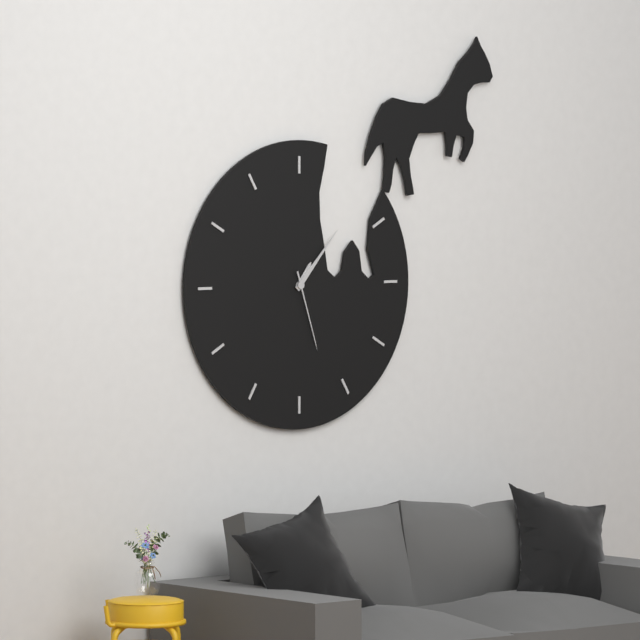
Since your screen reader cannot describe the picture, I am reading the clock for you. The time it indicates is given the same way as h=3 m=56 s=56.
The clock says h=1 m=7 s=27
